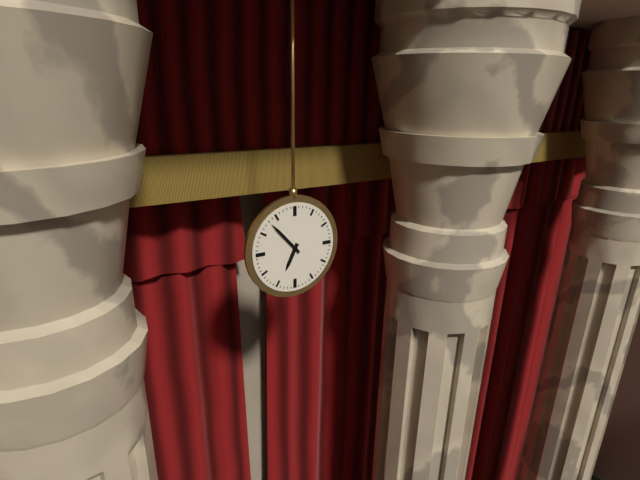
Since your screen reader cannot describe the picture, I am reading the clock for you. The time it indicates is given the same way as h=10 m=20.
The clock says h=6 m=53
